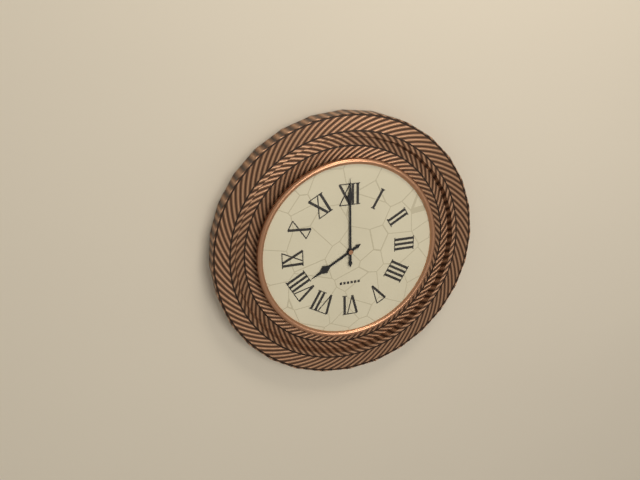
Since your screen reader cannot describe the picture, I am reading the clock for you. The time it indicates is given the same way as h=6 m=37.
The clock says h=8 m=0
